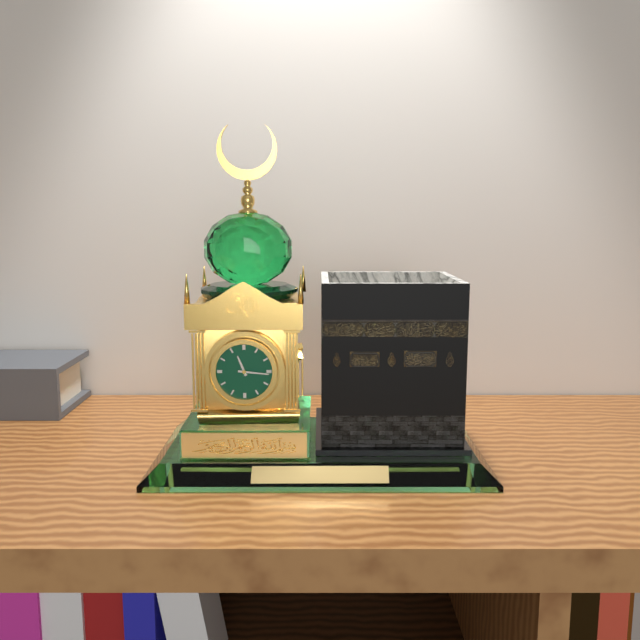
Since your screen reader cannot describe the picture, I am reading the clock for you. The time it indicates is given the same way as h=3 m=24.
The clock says h=11 m=16
